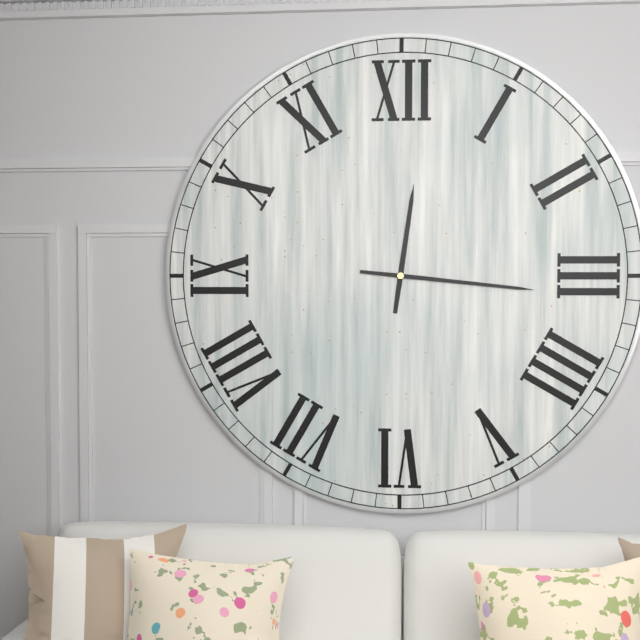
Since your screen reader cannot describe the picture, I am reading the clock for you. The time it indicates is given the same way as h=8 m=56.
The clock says h=12 m=16
